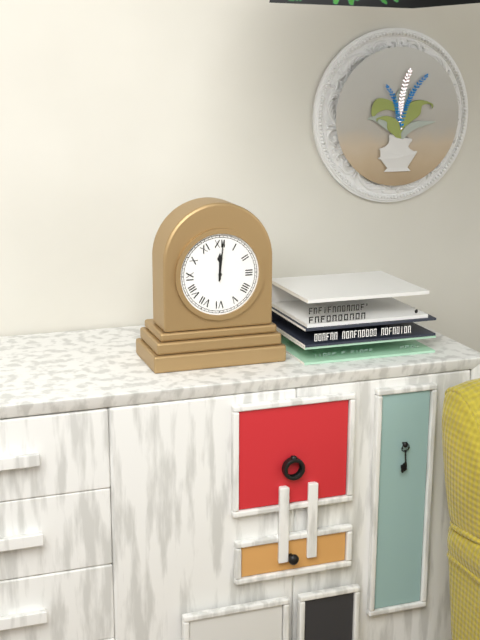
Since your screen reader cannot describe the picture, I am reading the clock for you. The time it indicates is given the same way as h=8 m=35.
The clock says h=12 m=1
